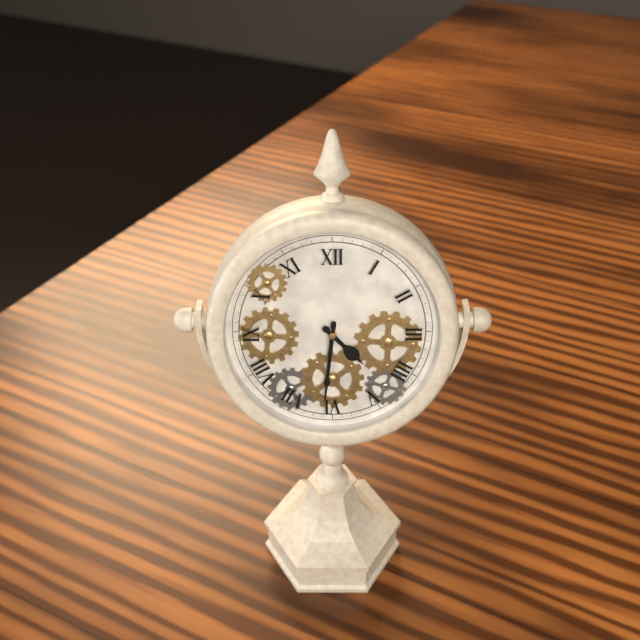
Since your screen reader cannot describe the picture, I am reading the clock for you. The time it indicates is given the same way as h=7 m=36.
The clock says h=4 m=31
